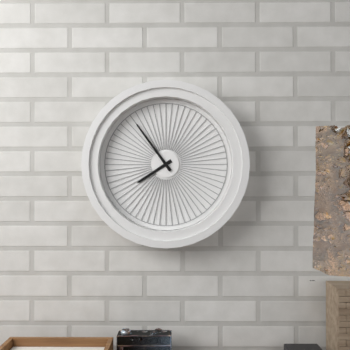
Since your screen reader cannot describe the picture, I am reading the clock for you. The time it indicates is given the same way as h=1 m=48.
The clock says h=7 m=54
